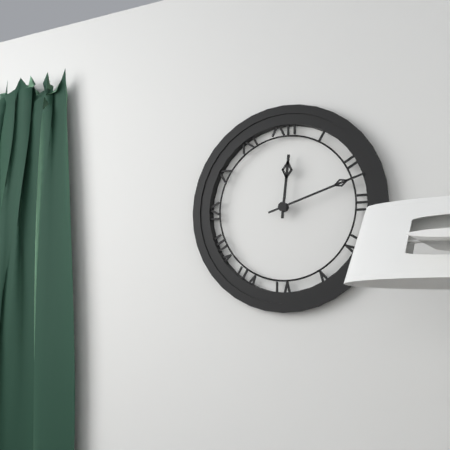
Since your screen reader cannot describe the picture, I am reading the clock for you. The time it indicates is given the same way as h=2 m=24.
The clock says h=12 m=12
